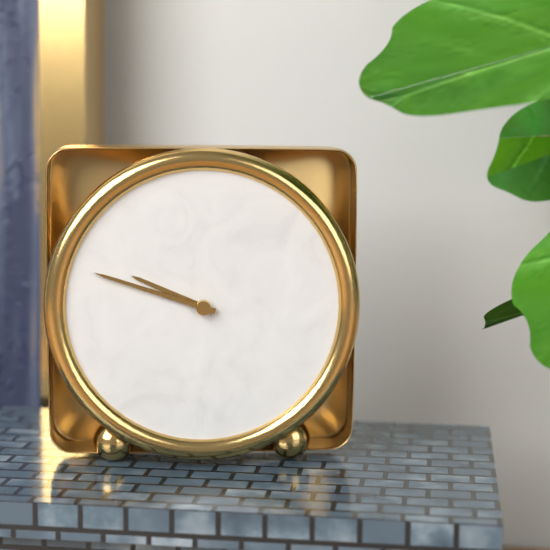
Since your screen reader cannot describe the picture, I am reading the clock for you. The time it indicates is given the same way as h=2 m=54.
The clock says h=9 m=48
